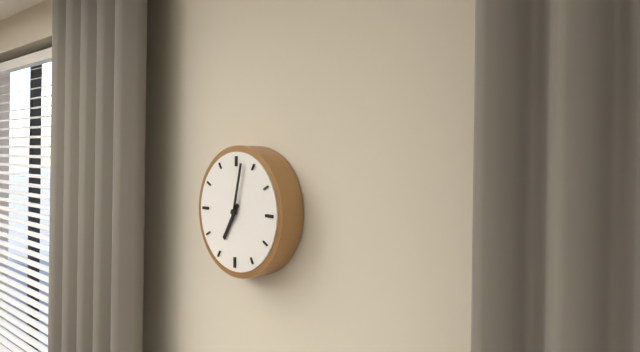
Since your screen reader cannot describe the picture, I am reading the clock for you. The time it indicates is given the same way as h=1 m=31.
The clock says h=7 m=2
